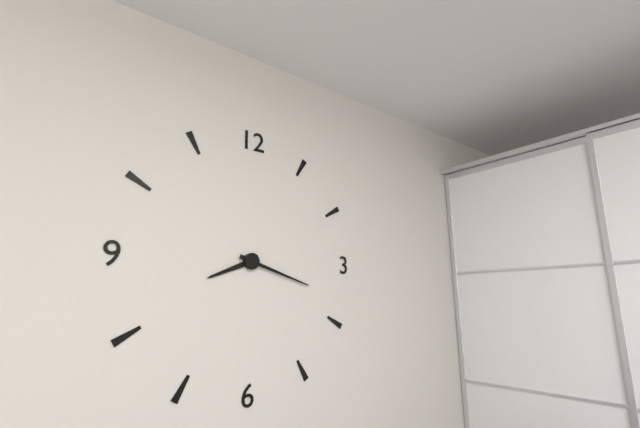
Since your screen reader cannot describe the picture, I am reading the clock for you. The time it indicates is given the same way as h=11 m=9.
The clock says h=8 m=18
